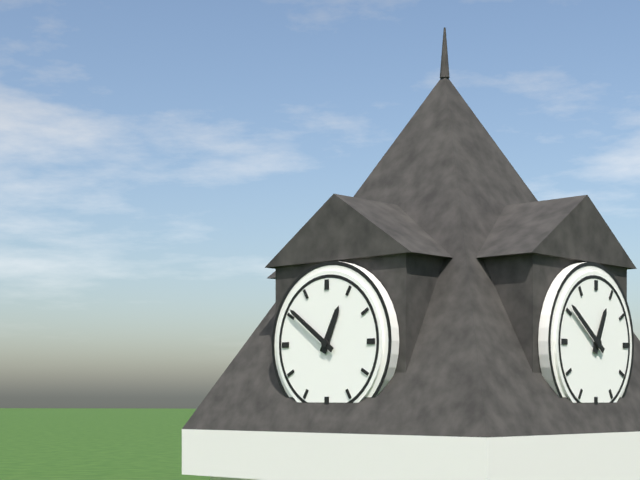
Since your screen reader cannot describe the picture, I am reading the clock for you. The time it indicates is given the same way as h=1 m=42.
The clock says h=12 m=51
